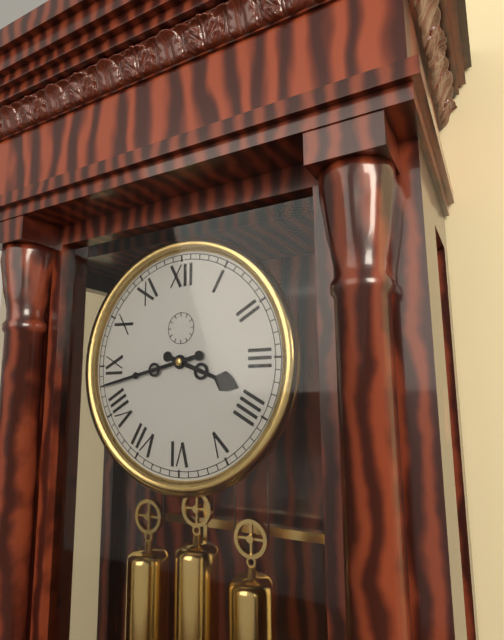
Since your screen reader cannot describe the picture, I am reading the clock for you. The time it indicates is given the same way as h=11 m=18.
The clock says h=3 m=43
